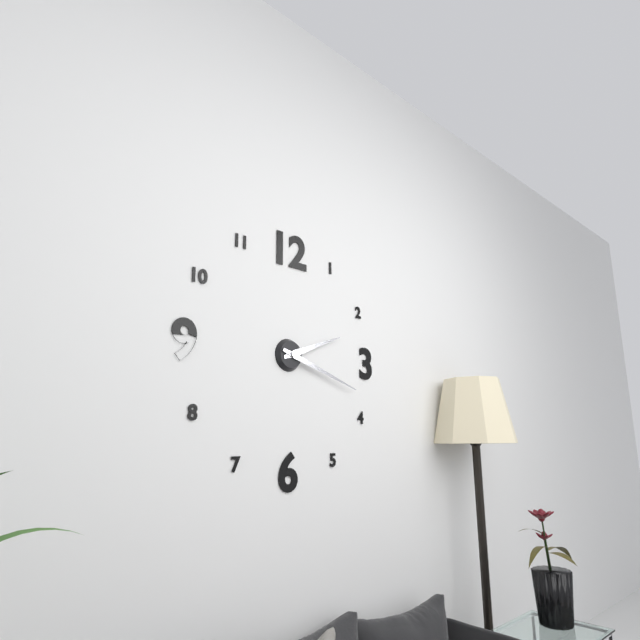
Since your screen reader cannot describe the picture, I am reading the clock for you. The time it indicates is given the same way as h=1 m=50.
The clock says h=2 m=18
